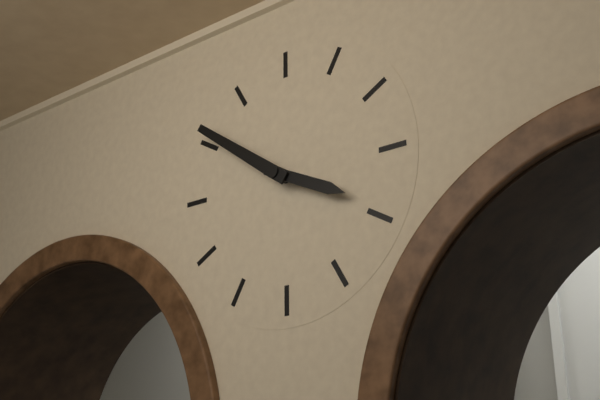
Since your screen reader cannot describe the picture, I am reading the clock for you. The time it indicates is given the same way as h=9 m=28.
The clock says h=3 m=51
